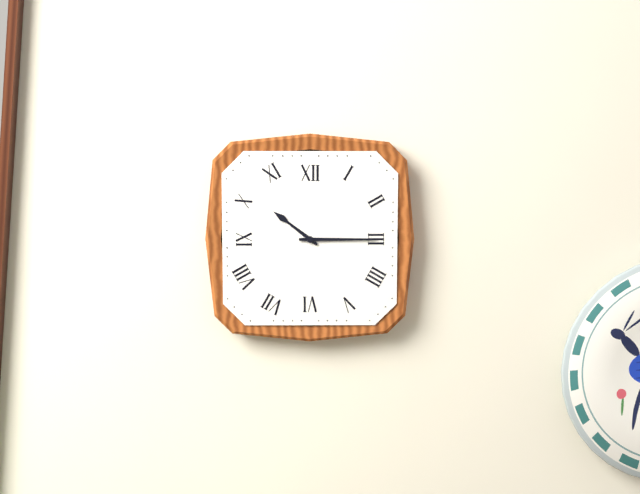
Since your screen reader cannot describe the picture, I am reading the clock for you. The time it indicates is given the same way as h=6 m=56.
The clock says h=10 m=15
